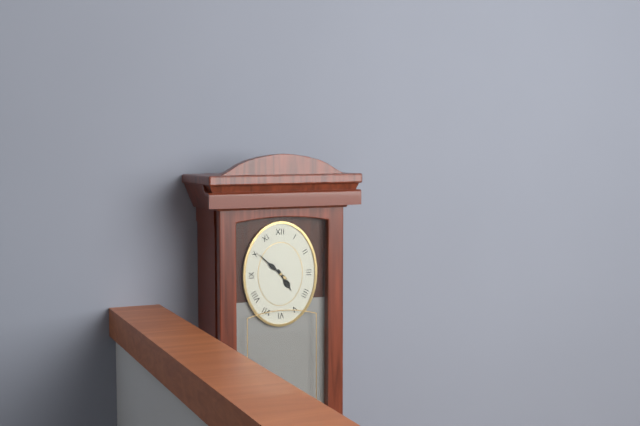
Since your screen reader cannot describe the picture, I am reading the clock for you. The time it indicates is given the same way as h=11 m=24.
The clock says h=4 m=52
